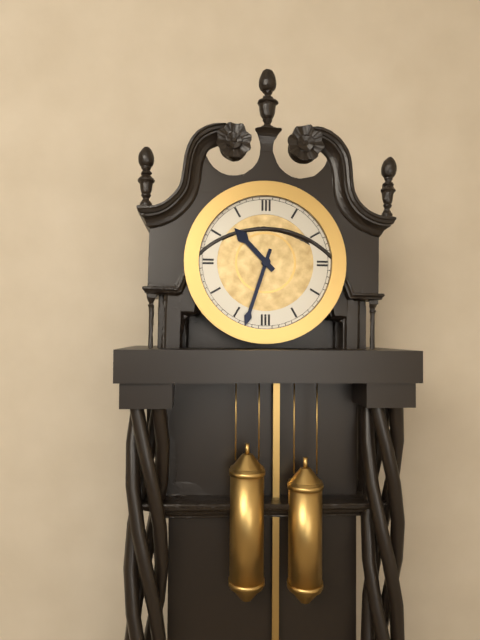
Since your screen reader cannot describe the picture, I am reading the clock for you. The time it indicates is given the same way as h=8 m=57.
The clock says h=10 m=33
